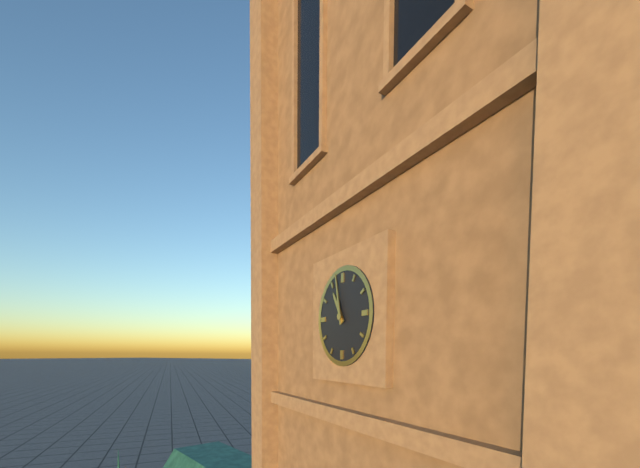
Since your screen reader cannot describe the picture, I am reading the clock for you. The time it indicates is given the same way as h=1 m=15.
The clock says h=10 m=58
